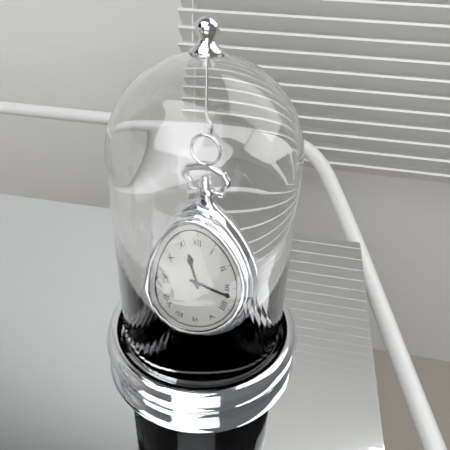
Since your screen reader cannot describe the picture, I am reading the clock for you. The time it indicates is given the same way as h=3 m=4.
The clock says h=11 m=17
